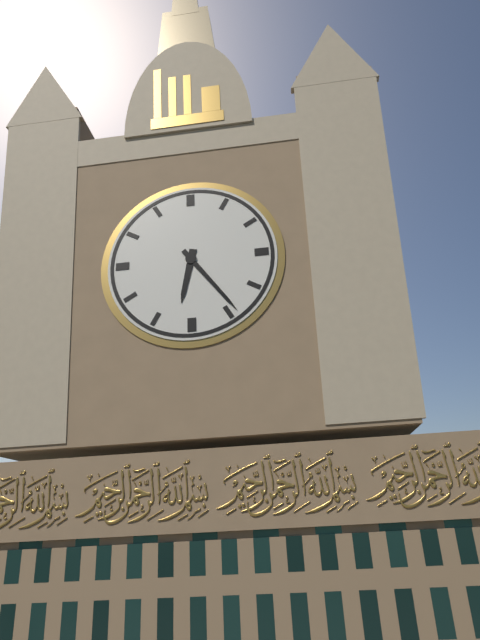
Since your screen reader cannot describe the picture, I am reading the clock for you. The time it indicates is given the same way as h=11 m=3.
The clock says h=6 m=24
